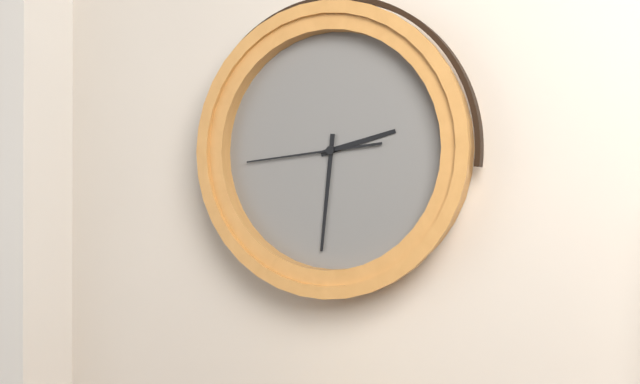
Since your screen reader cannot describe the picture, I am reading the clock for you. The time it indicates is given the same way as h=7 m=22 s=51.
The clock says h=2 m=31 s=44
